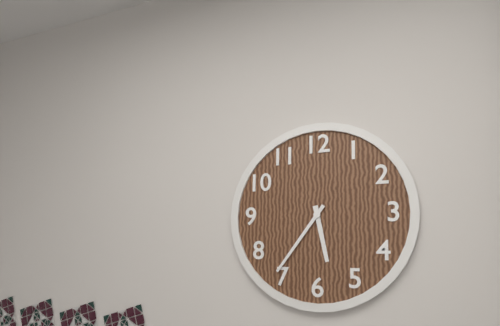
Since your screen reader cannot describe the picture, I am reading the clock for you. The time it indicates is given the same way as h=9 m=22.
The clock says h=5 m=36
